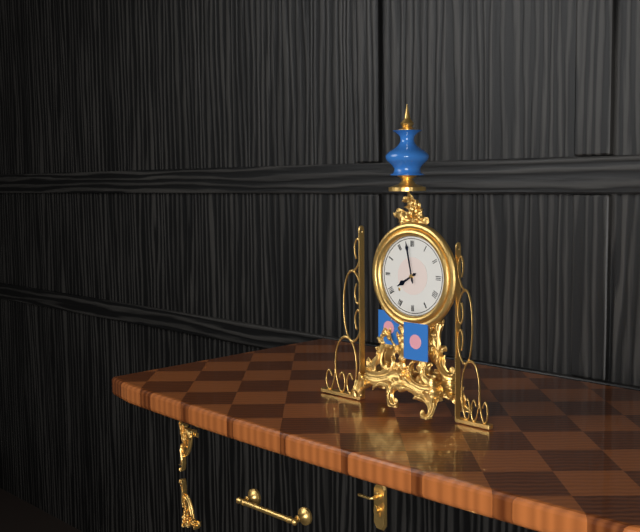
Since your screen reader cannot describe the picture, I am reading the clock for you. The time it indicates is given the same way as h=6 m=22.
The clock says h=7 m=58
